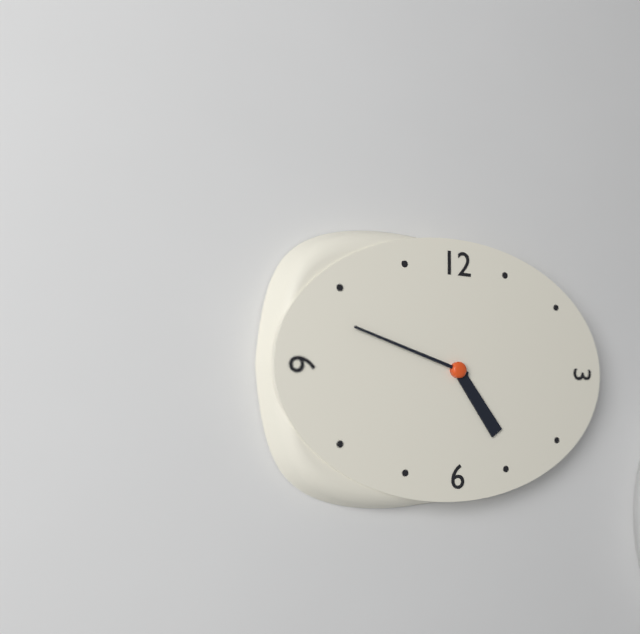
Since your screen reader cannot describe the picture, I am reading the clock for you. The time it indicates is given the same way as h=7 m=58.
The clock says h=4 m=48
